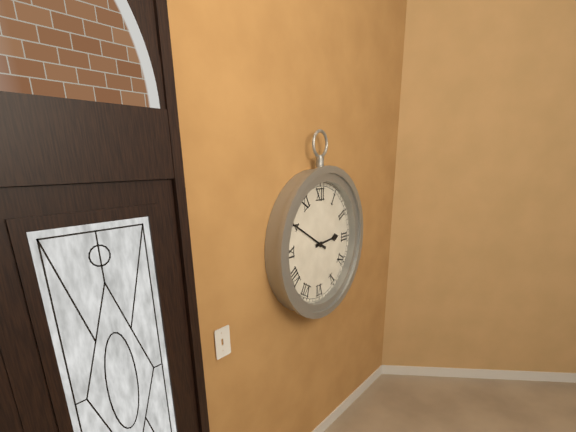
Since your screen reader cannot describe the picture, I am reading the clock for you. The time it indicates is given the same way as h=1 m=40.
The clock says h=2 m=50
